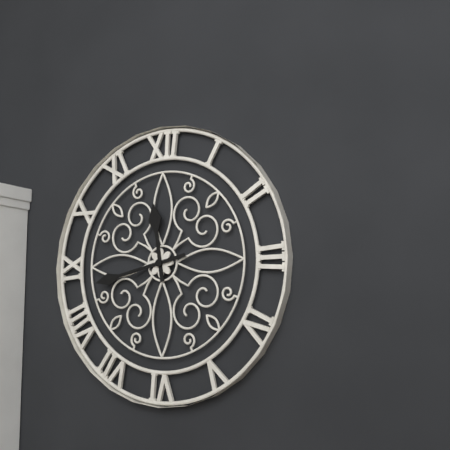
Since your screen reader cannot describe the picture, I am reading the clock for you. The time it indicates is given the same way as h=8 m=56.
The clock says h=11 m=43
